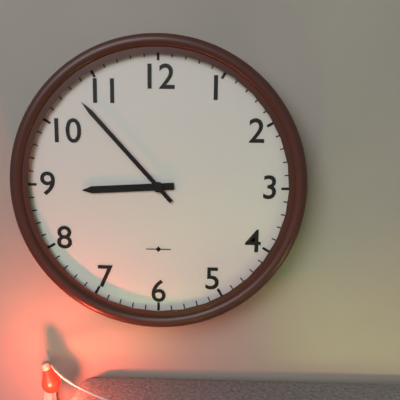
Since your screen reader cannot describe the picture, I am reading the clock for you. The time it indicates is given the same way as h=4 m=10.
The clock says h=8 m=53
